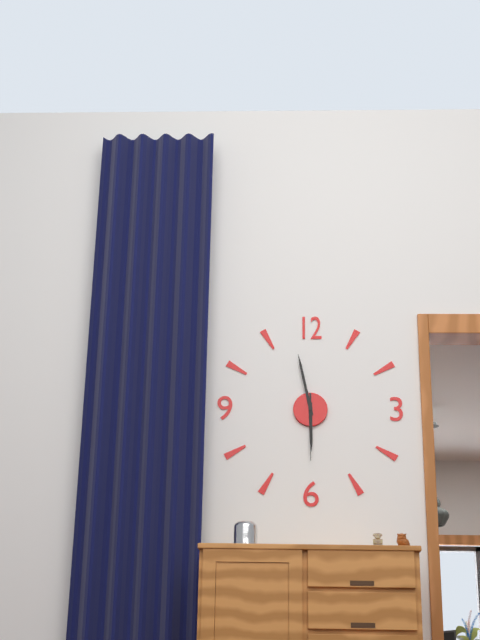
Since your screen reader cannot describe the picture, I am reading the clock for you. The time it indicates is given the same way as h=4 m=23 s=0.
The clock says h=5 m=58 s=30
